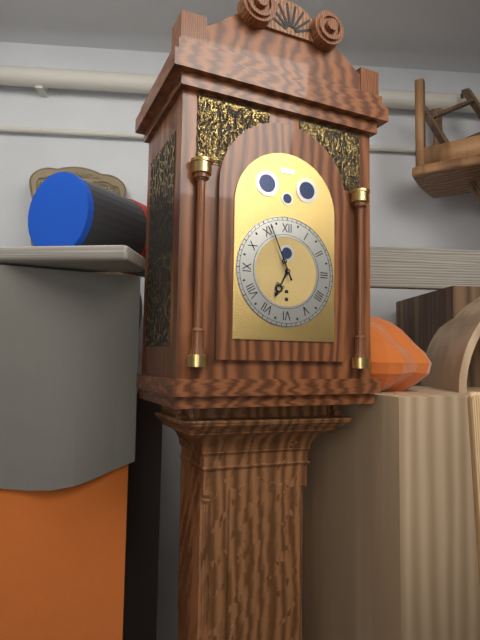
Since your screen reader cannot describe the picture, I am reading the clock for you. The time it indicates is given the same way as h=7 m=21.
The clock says h=6 m=56
